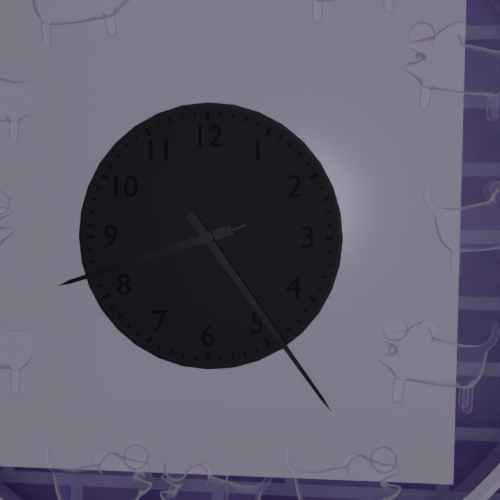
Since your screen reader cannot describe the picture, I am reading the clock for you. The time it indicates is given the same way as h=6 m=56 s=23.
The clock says h=8 m=24 s=42
